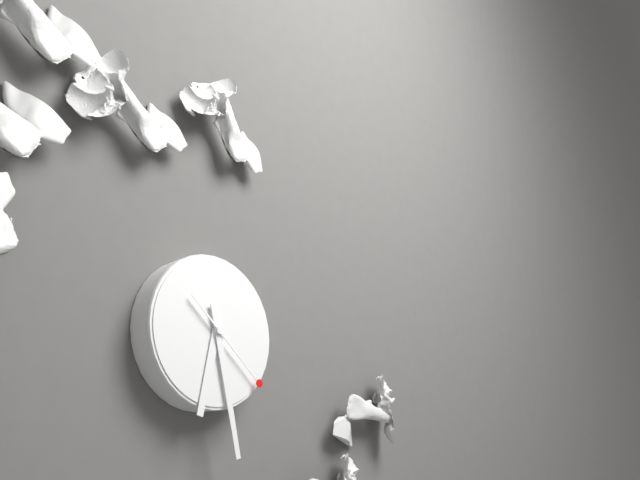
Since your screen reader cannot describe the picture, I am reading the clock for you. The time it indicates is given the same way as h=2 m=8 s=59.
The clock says h=6 m=28 s=22
